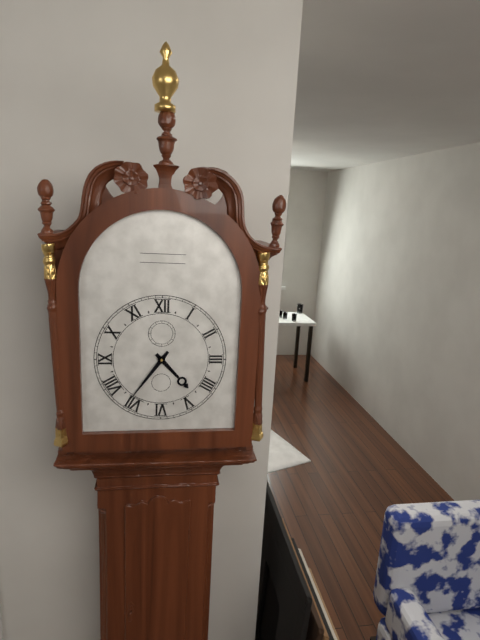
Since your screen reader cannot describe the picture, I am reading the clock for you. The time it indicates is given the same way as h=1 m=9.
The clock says h=4 m=36
